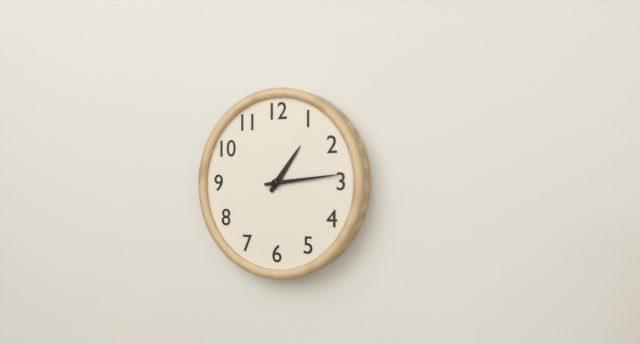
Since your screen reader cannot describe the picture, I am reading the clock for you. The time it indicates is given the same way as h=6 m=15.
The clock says h=1 m=14
